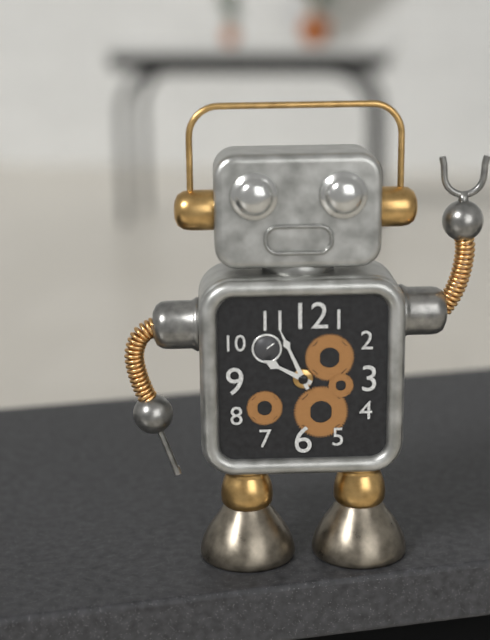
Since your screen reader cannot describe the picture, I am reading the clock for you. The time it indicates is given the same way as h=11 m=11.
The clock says h=9 m=56
